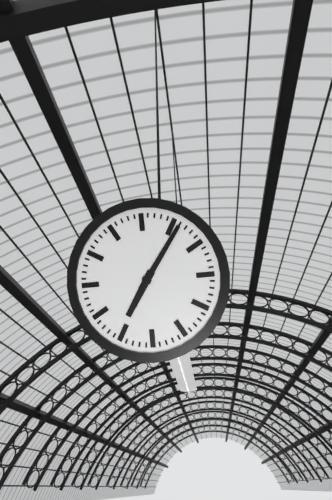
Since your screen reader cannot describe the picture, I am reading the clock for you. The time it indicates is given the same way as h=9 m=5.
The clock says h=7 m=6
